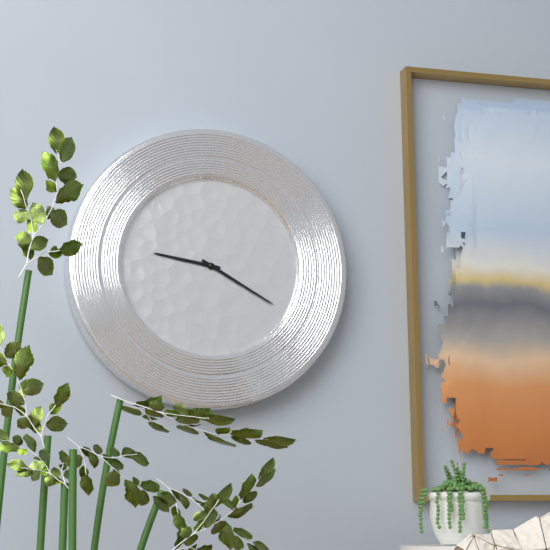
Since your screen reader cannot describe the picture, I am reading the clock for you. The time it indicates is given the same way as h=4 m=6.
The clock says h=9 m=20
